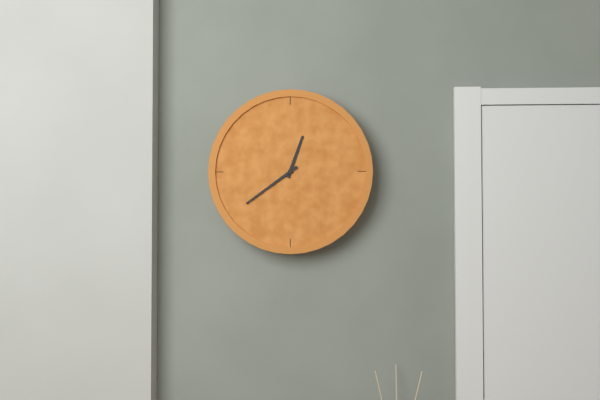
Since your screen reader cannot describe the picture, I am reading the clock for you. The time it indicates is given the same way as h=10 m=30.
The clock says h=12 m=39
